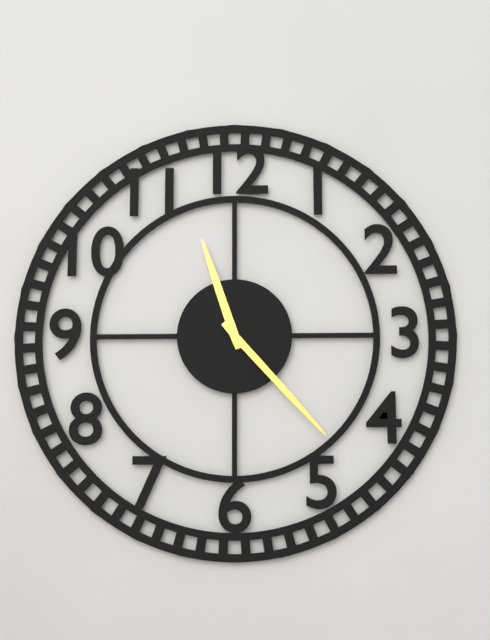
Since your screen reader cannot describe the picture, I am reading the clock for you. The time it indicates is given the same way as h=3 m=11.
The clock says h=11 m=23
